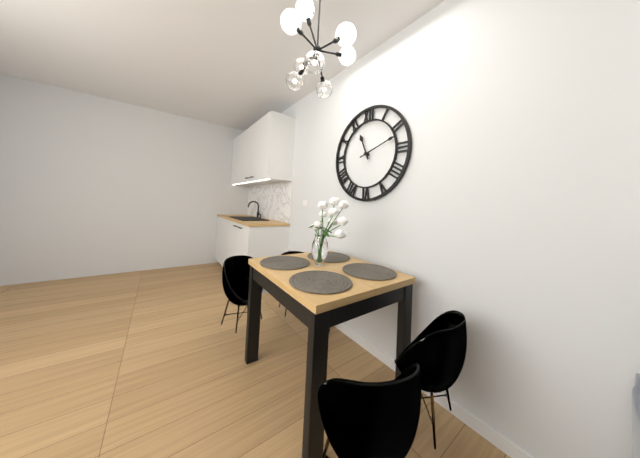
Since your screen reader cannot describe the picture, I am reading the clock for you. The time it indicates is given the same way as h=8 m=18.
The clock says h=11 m=12
